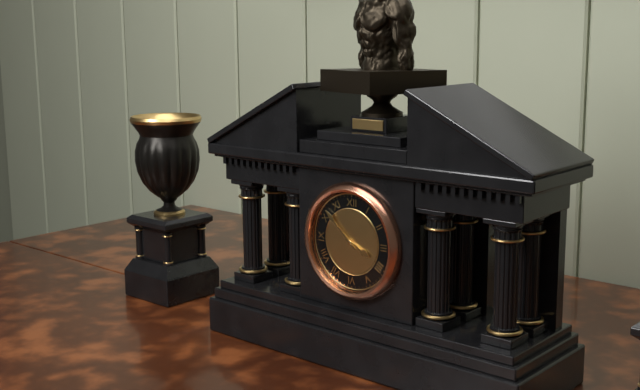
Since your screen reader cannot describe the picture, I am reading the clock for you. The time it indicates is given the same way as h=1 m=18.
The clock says h=3 m=52
